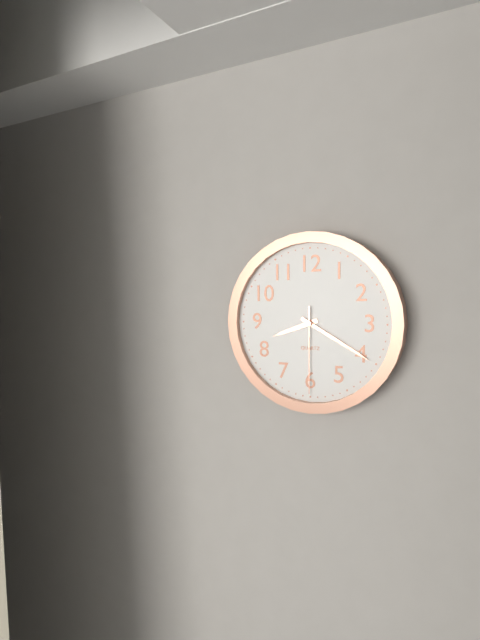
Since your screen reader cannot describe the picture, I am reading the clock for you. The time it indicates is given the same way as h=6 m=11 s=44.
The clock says h=8 m=20 s=30
